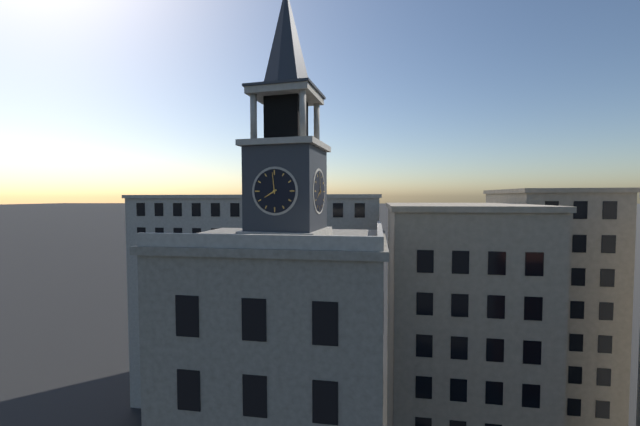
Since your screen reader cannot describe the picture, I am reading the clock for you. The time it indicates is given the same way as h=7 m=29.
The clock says h=7 m=59
